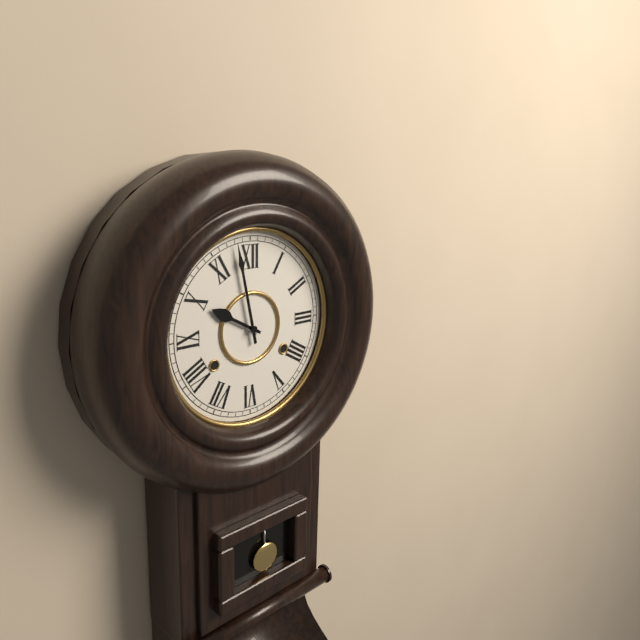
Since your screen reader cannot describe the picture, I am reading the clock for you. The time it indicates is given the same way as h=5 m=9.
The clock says h=9 m=58
